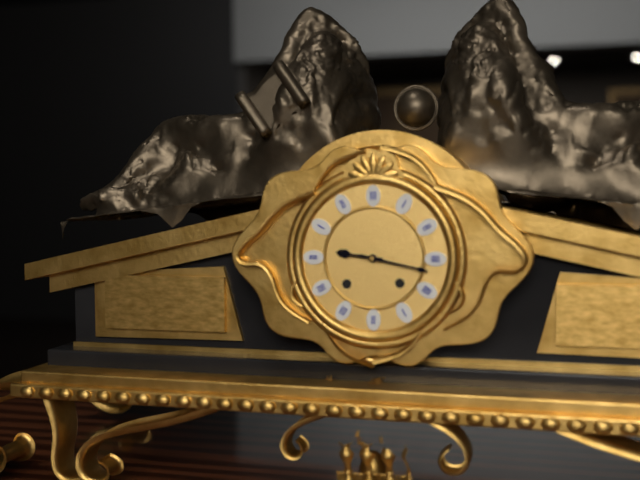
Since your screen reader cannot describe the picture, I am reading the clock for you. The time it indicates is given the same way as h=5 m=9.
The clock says h=9 m=17
